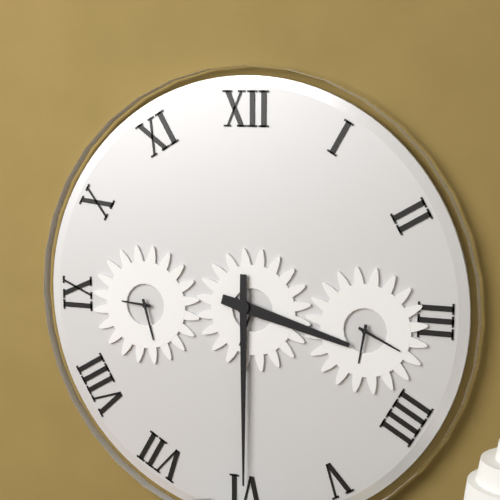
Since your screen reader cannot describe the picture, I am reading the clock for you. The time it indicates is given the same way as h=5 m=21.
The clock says h=3 m=30
